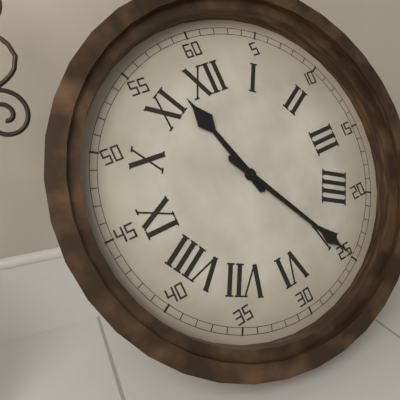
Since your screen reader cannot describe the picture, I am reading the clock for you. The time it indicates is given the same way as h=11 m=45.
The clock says h=11 m=25
